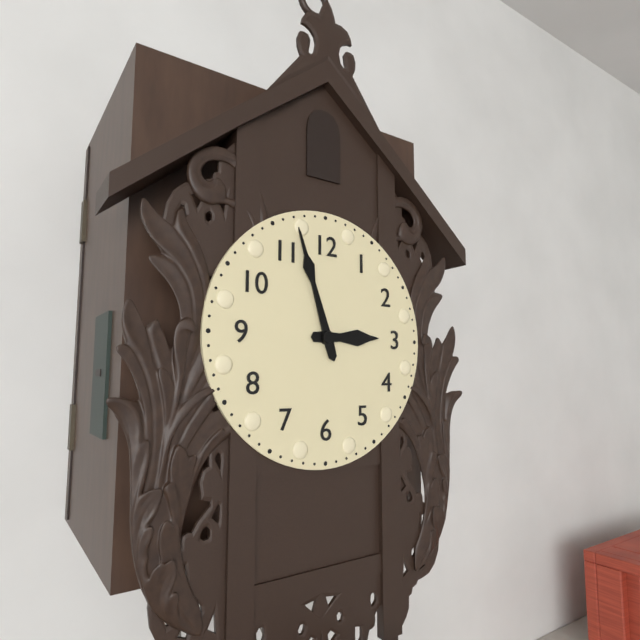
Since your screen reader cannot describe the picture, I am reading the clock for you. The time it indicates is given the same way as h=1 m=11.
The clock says h=2 m=57
